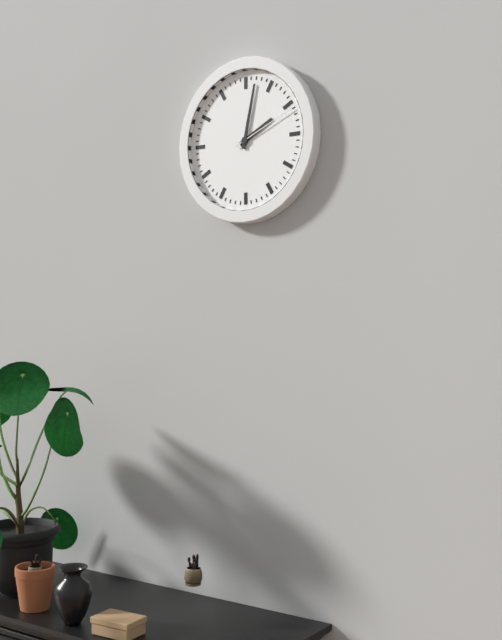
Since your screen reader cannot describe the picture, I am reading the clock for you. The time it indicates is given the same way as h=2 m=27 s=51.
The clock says h=2 m=2 s=11
